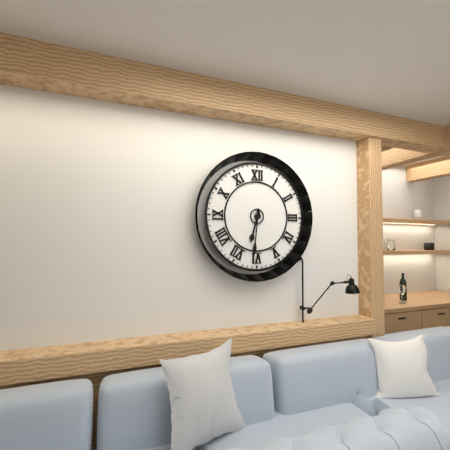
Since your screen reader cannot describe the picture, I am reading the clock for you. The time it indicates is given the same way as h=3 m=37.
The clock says h=6 m=31
